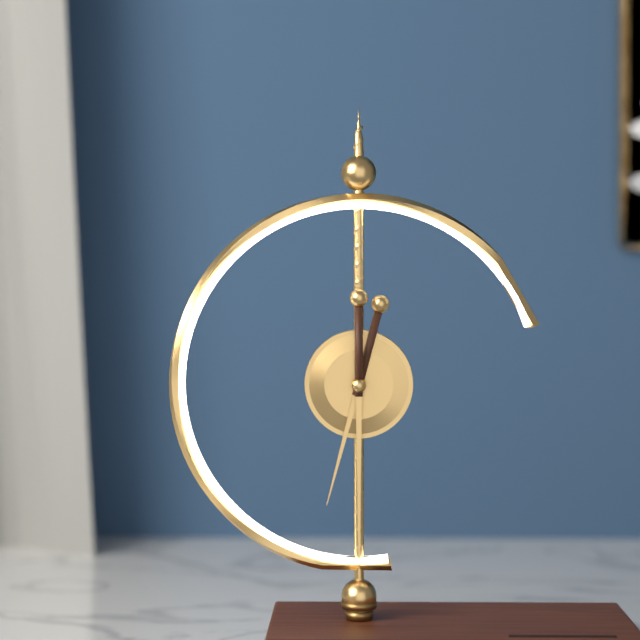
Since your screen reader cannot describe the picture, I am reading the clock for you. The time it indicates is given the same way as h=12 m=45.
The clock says h=6 m=30
